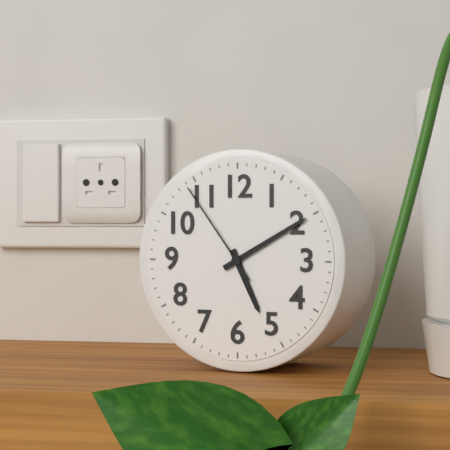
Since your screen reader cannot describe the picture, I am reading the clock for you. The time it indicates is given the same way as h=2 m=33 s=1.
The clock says h=5 m=10 s=54
